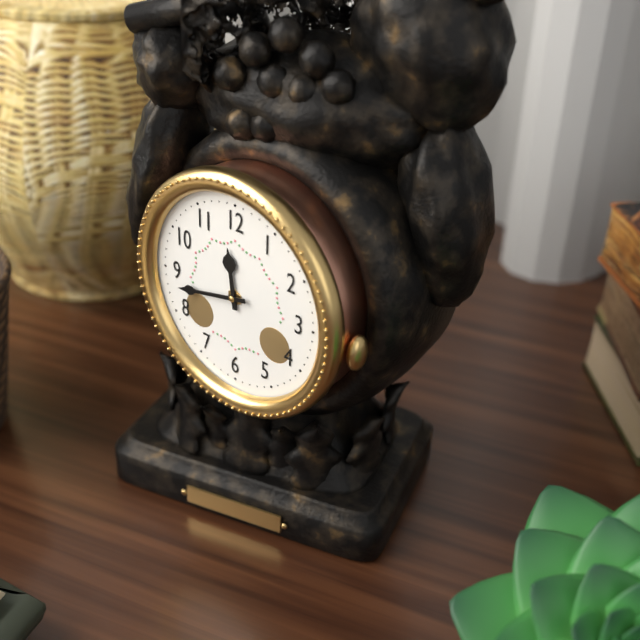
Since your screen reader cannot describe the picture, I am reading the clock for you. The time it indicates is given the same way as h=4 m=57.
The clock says h=11 m=43
